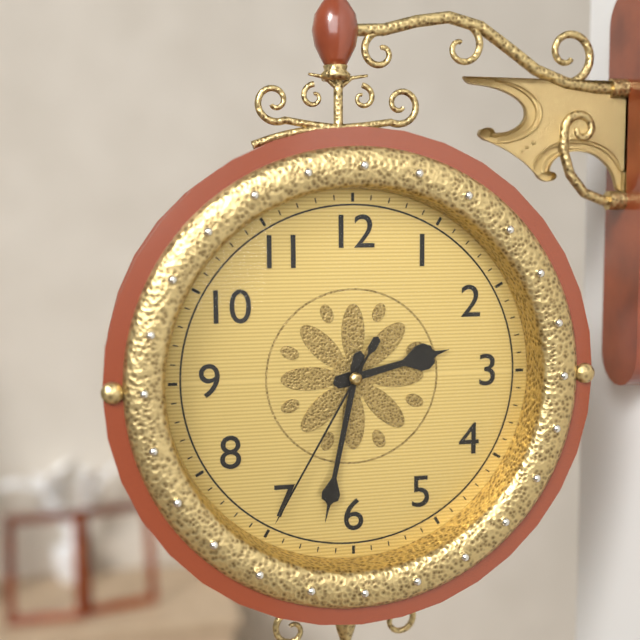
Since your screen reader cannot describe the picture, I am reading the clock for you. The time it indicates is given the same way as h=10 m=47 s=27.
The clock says h=2 m=32 s=35
